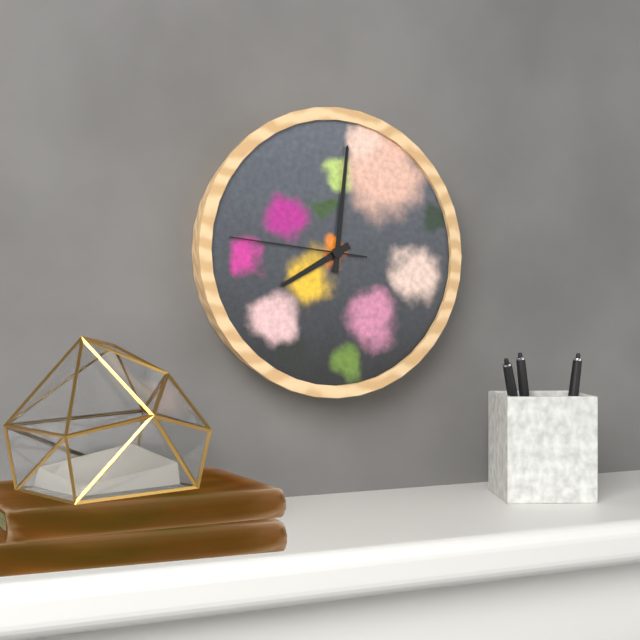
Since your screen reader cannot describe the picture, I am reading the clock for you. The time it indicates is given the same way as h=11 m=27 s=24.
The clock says h=8 m=1 s=46
